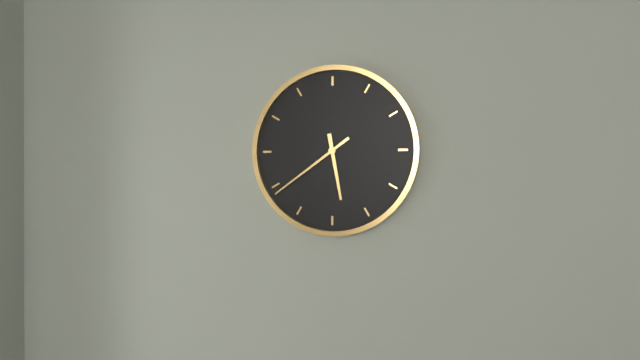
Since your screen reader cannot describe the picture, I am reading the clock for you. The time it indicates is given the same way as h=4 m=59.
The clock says h=5 m=39
